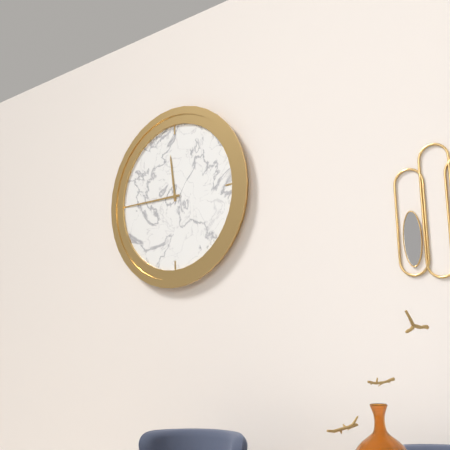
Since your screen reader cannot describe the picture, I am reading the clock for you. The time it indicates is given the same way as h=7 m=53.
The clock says h=11 m=45
